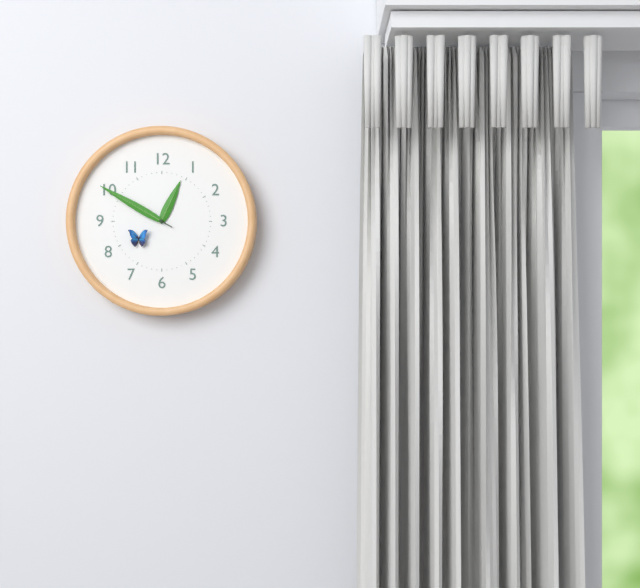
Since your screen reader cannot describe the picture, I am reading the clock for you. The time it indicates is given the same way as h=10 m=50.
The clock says h=12 m=50
